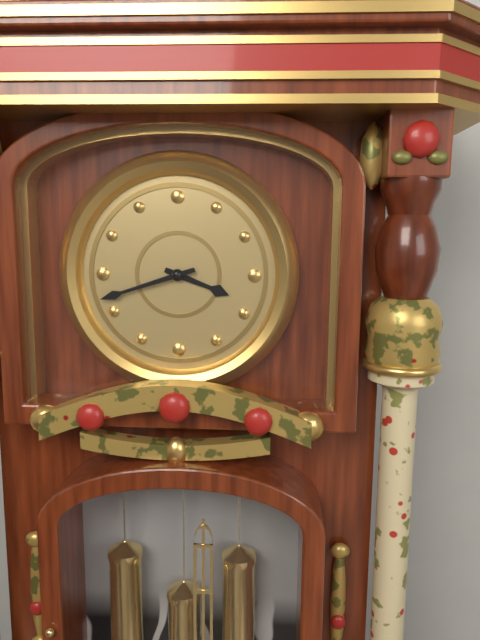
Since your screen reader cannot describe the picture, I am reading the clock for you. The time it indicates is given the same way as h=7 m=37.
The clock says h=3 m=42
